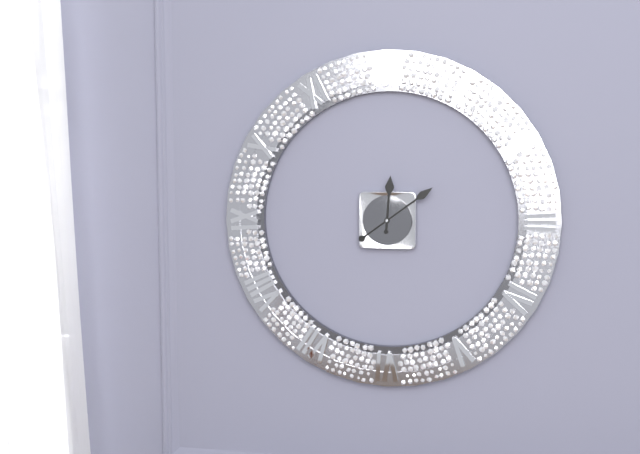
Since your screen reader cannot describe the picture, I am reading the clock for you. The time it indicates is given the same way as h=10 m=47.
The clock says h=12 m=9
